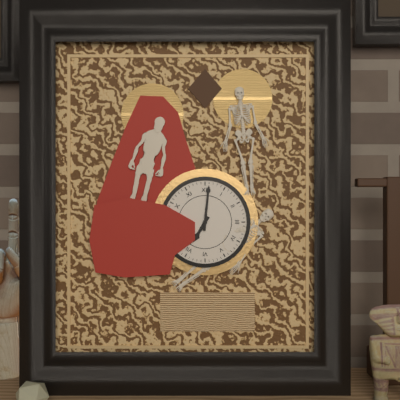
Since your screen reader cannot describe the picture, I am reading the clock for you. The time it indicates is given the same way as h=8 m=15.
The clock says h=7 m=1
